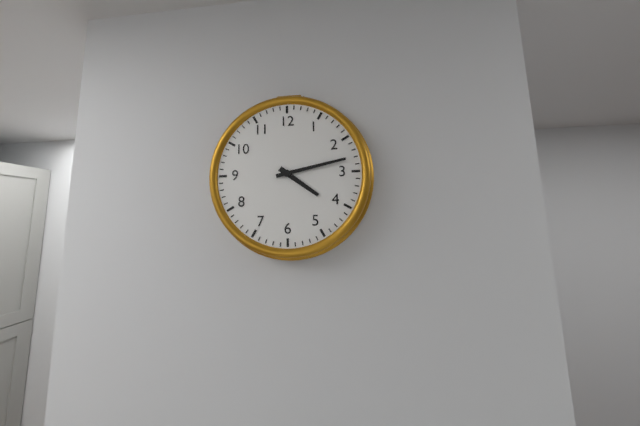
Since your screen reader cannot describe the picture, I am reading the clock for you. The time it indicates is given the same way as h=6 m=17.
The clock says h=4 m=13
